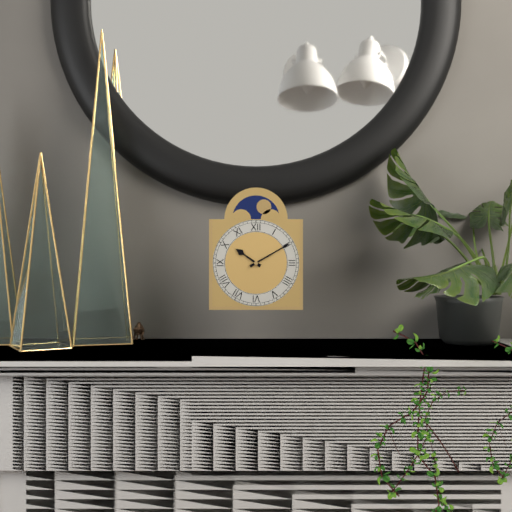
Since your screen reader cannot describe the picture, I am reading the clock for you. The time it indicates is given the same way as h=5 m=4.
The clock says h=10 m=10
